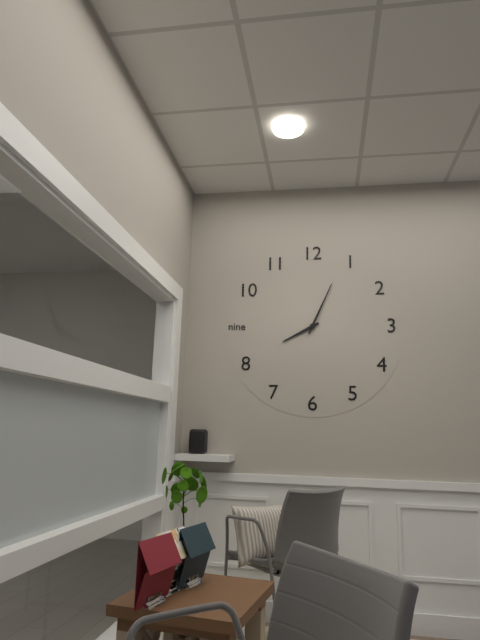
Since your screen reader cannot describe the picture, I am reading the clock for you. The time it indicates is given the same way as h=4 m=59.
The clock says h=8 m=4
